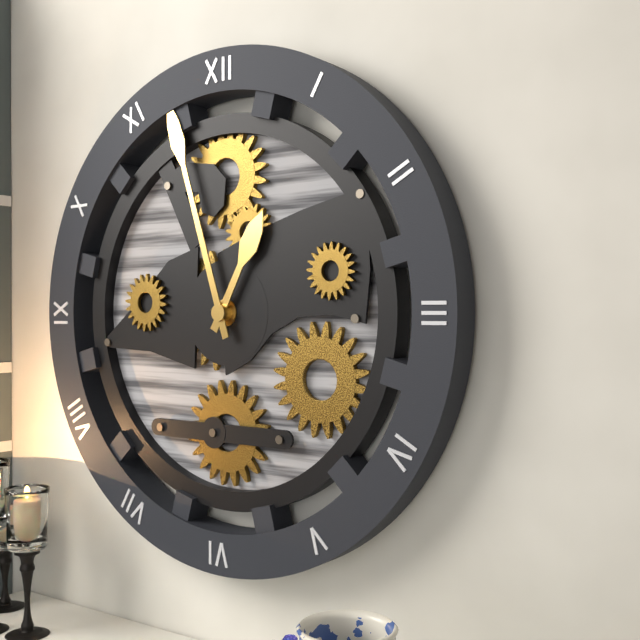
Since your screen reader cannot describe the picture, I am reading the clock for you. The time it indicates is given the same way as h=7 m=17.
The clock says h=12 m=57
